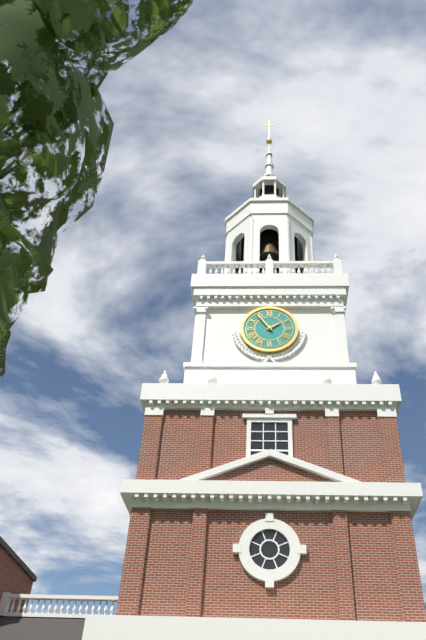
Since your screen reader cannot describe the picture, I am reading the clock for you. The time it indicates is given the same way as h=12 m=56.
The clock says h=1 m=54
